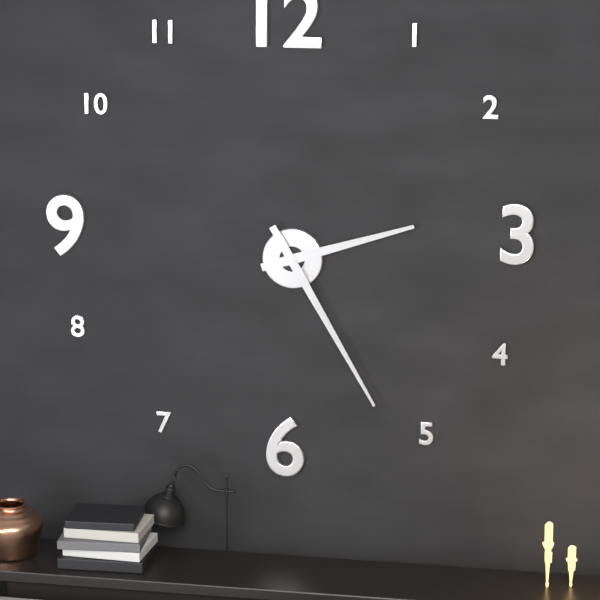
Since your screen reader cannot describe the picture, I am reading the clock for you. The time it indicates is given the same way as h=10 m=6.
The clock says h=2 m=25
